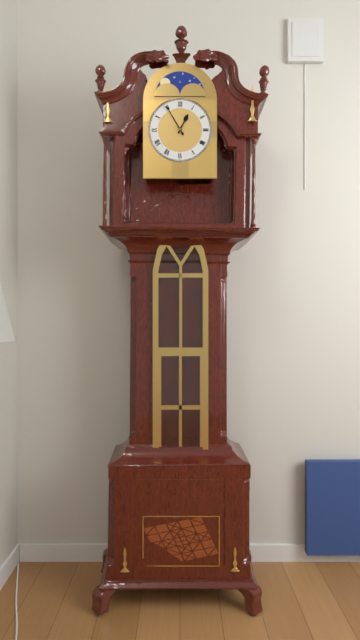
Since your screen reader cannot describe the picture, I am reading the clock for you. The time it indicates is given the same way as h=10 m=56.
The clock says h=12 m=55
